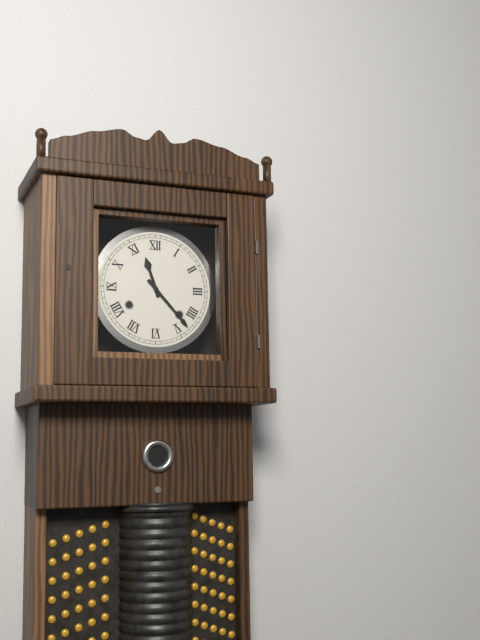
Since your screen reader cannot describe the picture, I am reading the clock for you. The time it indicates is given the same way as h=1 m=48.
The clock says h=11 m=23
